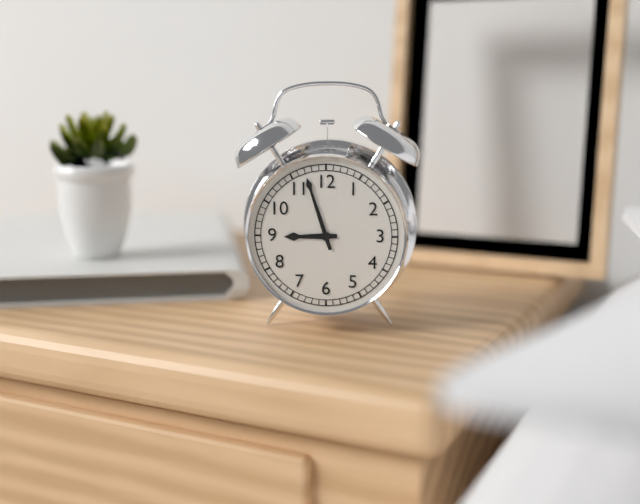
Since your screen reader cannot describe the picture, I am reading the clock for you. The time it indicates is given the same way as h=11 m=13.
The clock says h=8 m=57
